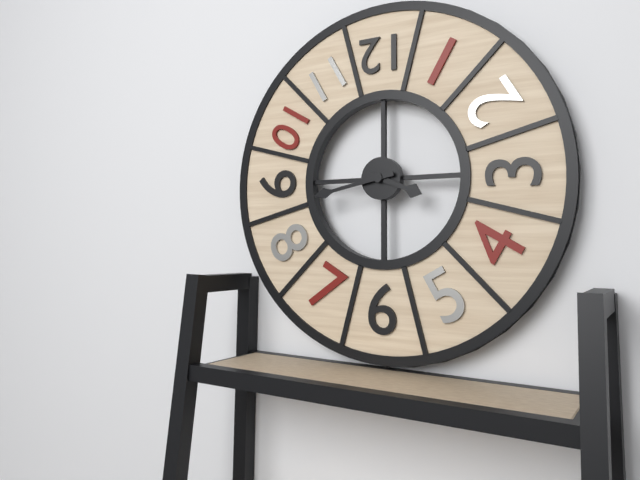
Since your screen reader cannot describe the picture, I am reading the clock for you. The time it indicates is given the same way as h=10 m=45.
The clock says h=3 m=43
